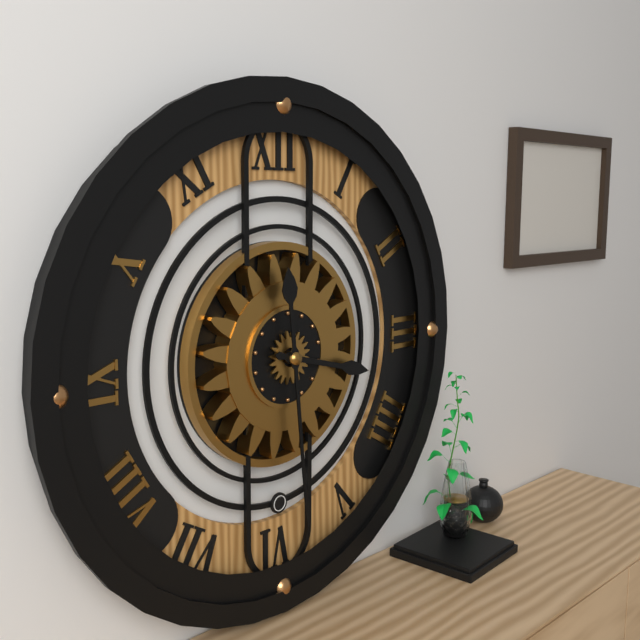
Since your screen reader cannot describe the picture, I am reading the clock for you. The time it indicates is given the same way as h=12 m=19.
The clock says h=3 m=29
